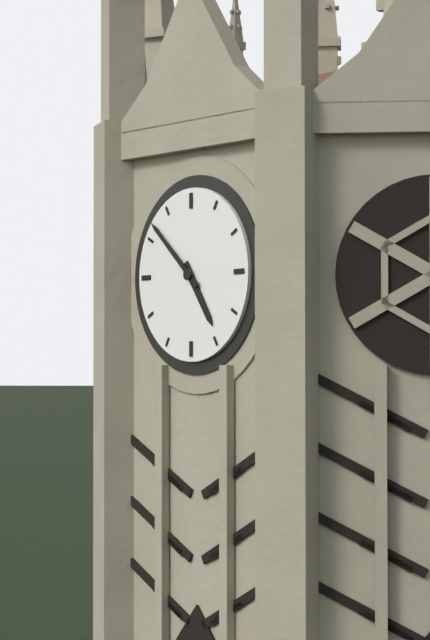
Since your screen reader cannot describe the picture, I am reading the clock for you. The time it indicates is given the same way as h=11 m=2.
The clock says h=4 m=52
